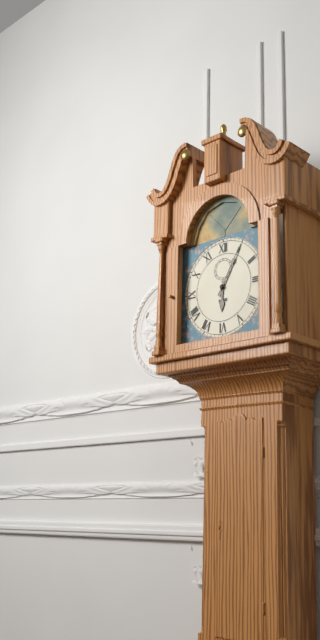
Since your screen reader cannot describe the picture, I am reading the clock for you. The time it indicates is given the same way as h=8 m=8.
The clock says h=6 m=5
